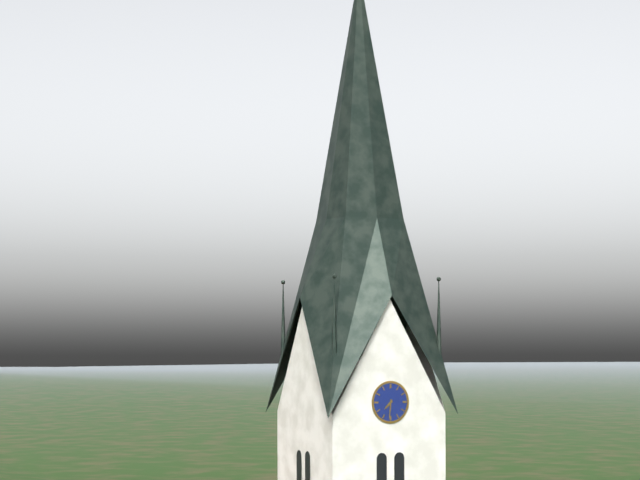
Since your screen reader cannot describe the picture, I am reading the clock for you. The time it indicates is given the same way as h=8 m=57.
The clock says h=7 m=31
